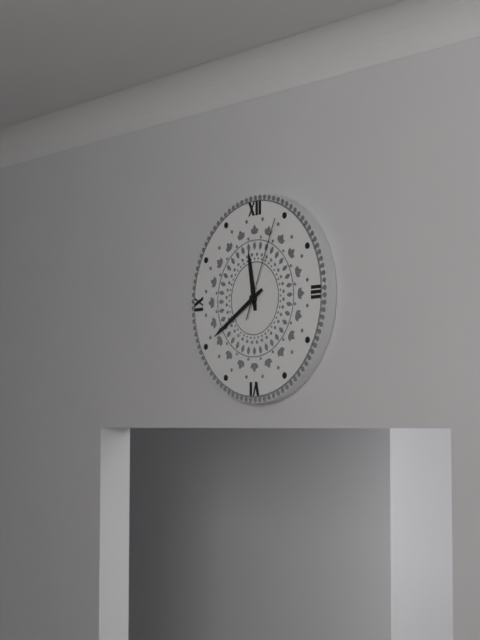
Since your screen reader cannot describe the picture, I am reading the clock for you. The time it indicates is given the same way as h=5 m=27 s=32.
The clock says h=11 m=40 s=4
